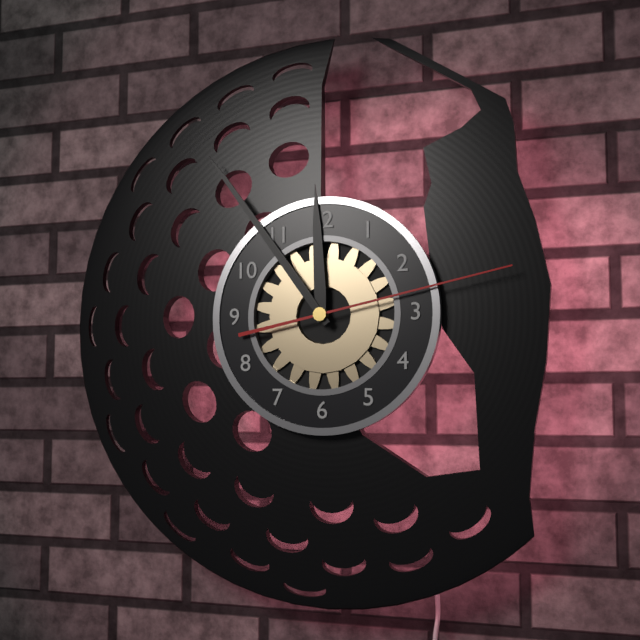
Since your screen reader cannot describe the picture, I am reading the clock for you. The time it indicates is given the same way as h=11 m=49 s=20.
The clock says h=11 m=54 s=13
